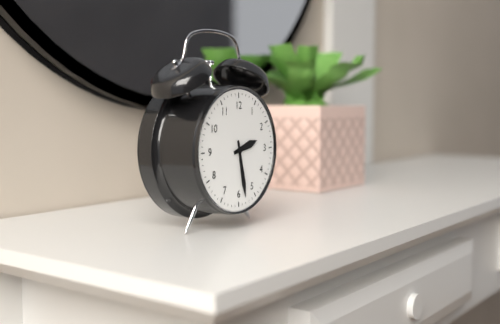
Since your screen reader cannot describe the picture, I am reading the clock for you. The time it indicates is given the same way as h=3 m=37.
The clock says h=2 m=28
